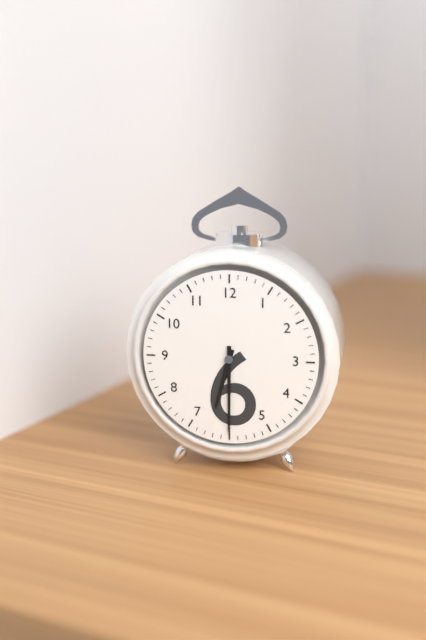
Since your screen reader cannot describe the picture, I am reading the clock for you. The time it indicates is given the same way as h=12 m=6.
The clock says h=6 m=30
